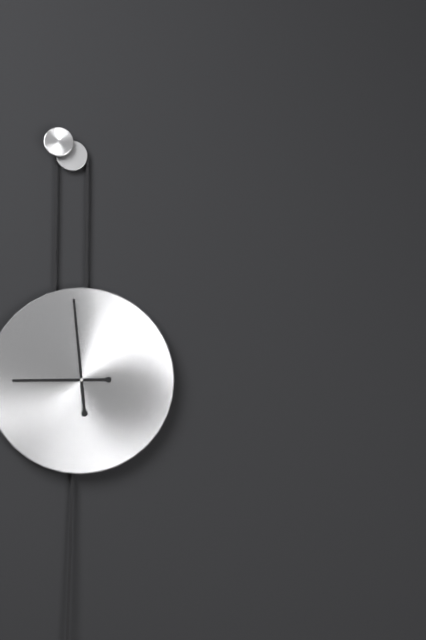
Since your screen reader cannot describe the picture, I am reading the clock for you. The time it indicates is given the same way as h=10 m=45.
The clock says h=8 m=59
